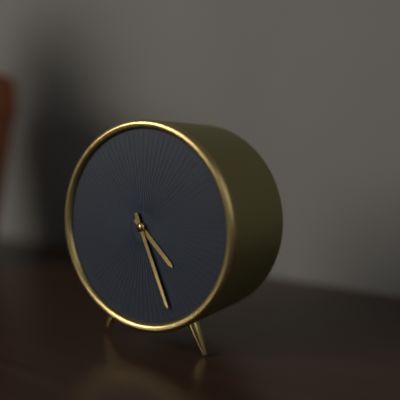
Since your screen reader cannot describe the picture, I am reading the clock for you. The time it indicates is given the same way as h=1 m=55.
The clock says h=4 m=26
